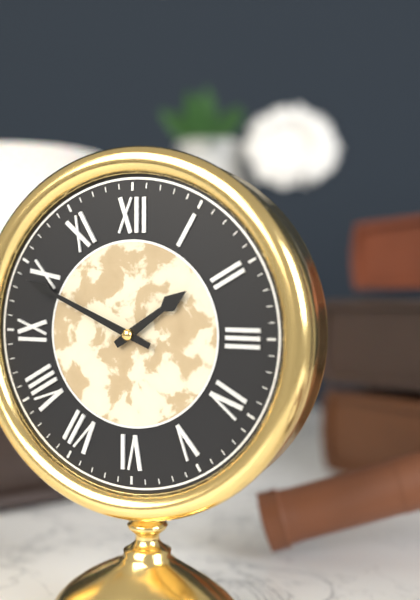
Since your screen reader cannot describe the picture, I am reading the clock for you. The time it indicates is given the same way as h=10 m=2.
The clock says h=1 m=49
